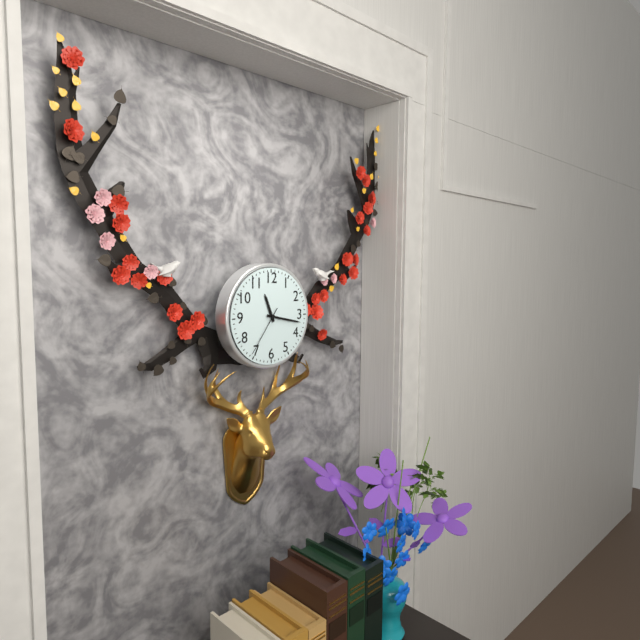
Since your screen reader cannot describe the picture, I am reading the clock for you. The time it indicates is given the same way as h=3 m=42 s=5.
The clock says h=11 m=17 s=36
